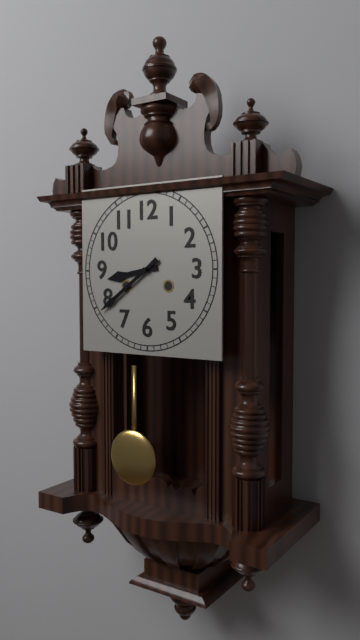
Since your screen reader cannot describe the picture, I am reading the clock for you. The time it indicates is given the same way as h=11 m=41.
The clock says h=8 m=39
